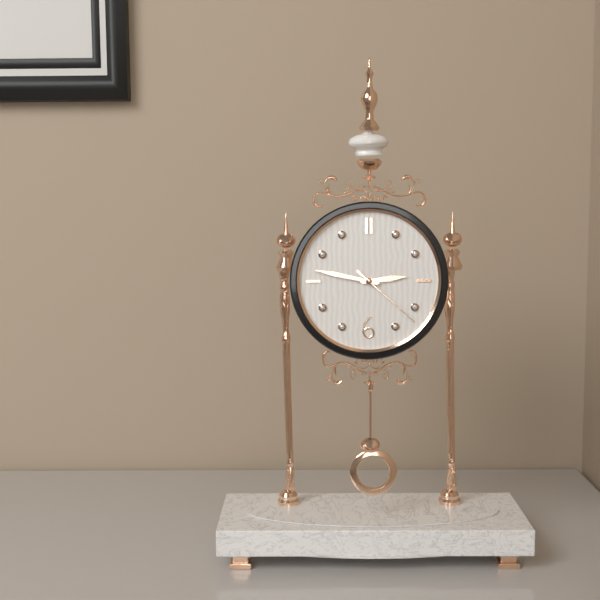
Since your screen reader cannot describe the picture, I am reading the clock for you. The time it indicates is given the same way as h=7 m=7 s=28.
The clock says h=2 m=47 s=22
